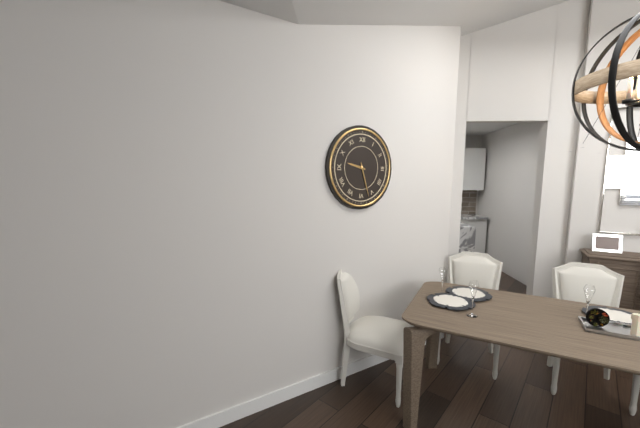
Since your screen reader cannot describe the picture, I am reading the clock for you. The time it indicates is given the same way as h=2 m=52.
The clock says h=9 m=27
